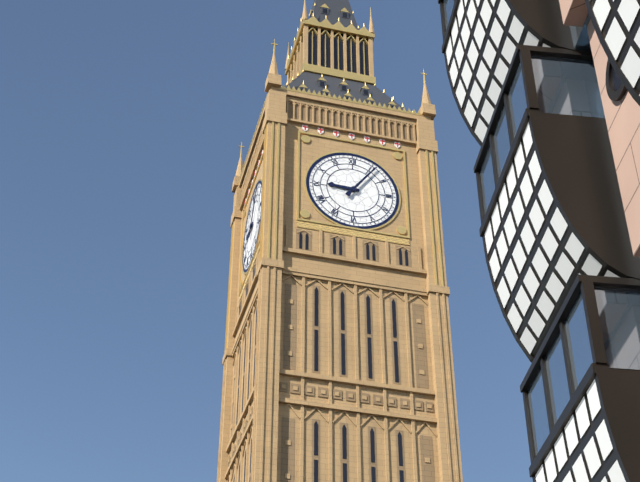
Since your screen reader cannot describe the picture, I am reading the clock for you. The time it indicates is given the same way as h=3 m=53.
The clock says h=9 m=6
